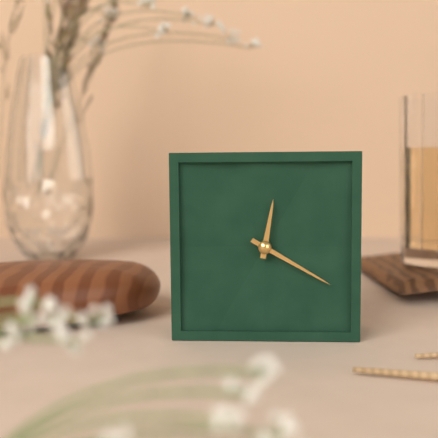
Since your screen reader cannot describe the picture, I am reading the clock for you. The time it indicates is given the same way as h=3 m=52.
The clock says h=12 m=20
